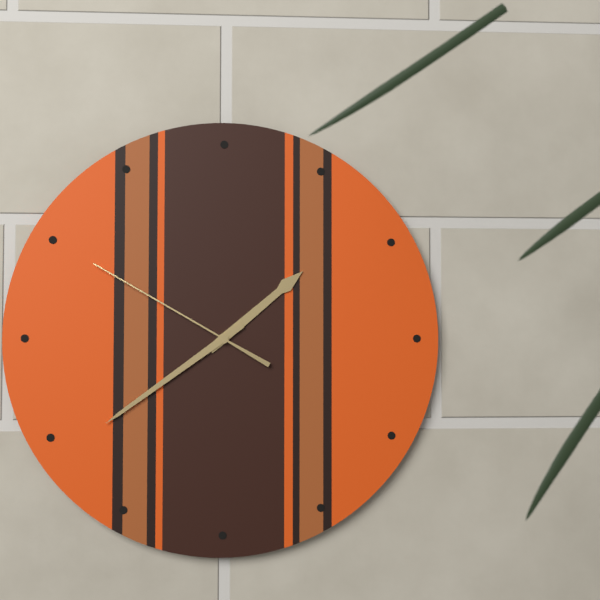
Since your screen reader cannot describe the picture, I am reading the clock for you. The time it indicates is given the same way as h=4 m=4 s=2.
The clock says h=1 m=39 s=50
